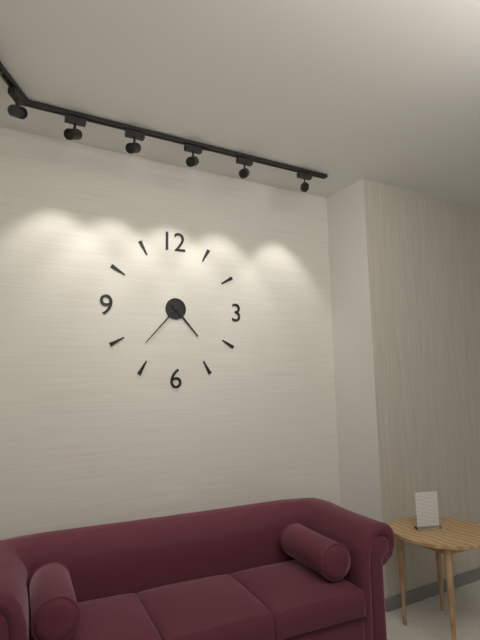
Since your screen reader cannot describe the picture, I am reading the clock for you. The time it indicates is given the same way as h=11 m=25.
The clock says h=4 m=37
